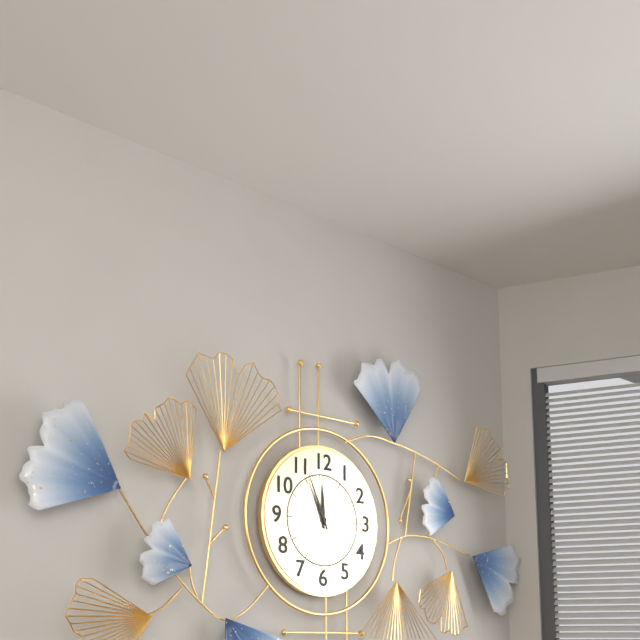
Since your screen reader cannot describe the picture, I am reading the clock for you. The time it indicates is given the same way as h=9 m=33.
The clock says h=11 m=56
